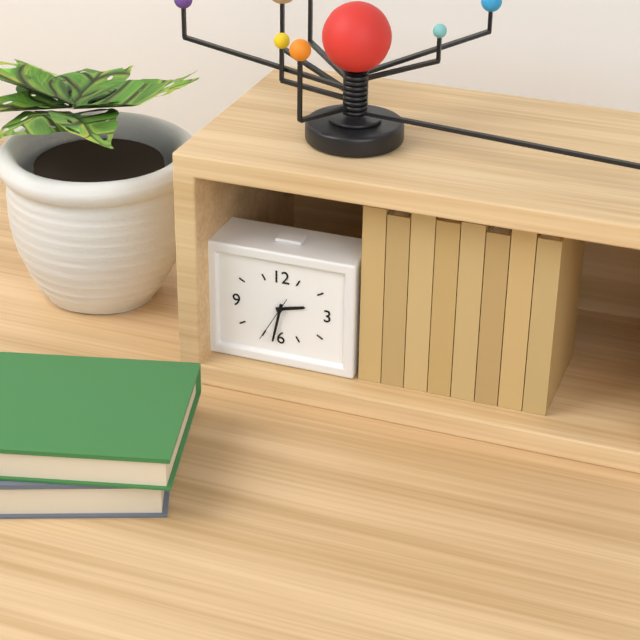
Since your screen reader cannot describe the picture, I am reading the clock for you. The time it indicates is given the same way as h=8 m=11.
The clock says h=2 m=32
